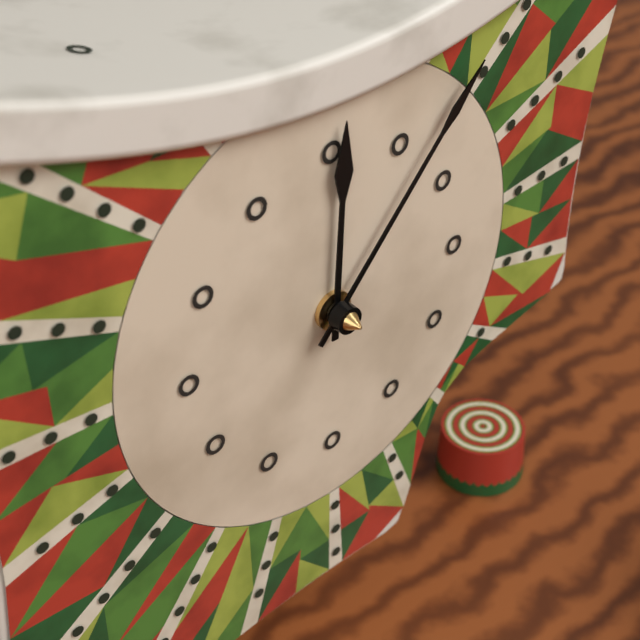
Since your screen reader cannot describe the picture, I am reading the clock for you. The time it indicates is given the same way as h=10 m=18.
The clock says h=12 m=7
